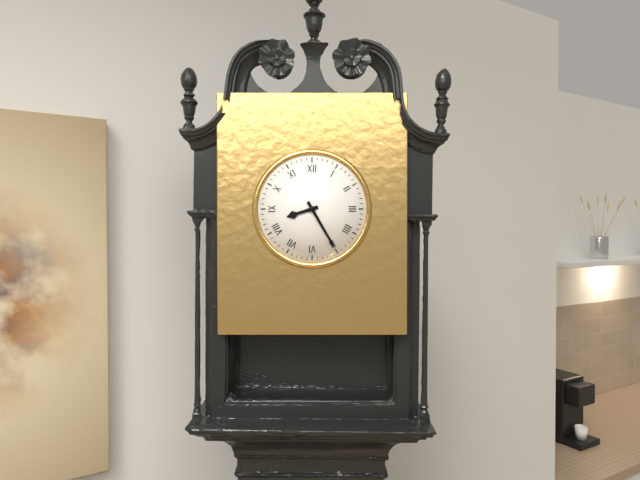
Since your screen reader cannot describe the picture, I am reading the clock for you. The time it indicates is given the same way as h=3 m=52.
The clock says h=8 m=25
